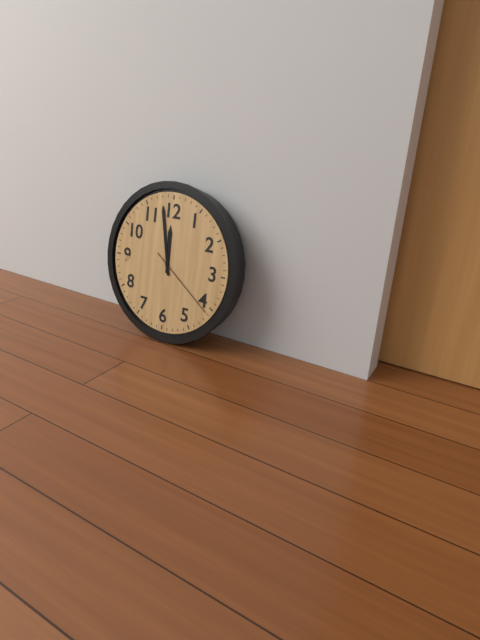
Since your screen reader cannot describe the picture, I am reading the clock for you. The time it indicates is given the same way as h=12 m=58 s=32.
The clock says h=11 m=58 s=21
